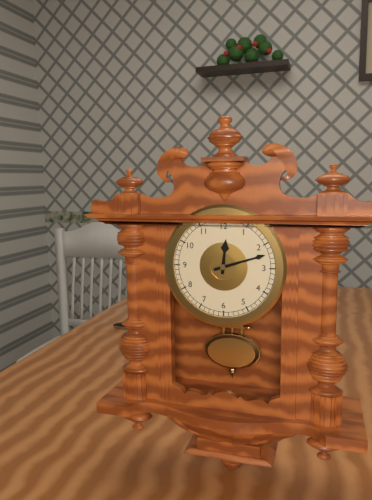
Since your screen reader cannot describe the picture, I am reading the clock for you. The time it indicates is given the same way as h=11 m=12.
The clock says h=12 m=12
